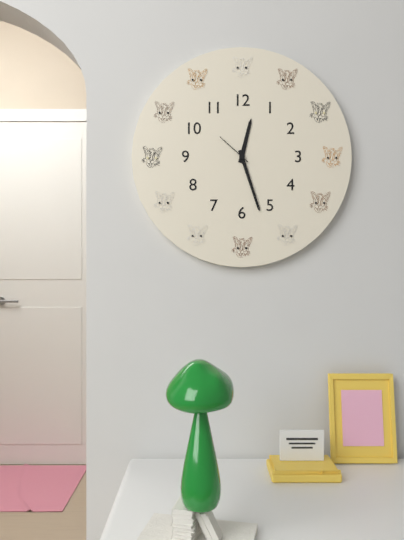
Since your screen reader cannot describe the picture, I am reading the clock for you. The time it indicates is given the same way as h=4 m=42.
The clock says h=12 m=27
